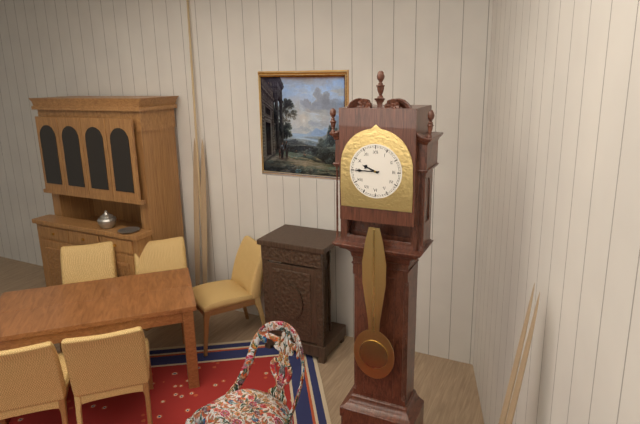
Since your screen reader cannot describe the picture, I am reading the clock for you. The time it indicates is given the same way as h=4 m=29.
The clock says h=9 m=45
